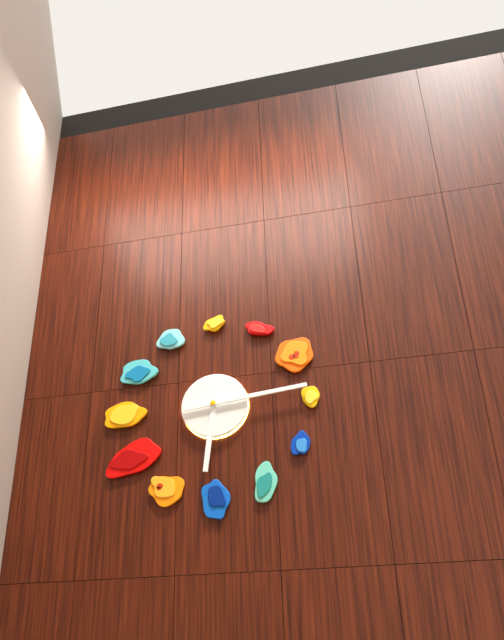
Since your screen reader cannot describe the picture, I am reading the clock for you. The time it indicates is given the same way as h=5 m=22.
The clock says h=6 m=14
